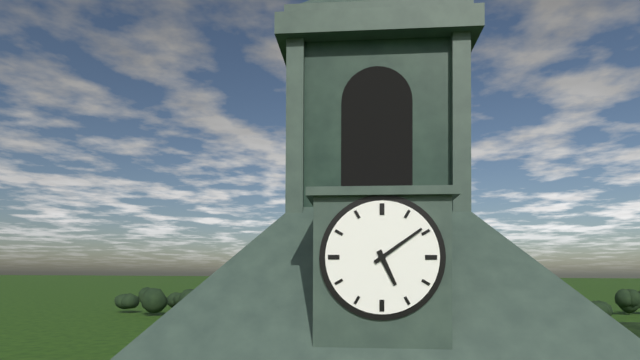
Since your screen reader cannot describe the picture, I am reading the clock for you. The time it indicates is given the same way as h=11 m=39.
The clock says h=5 m=9
